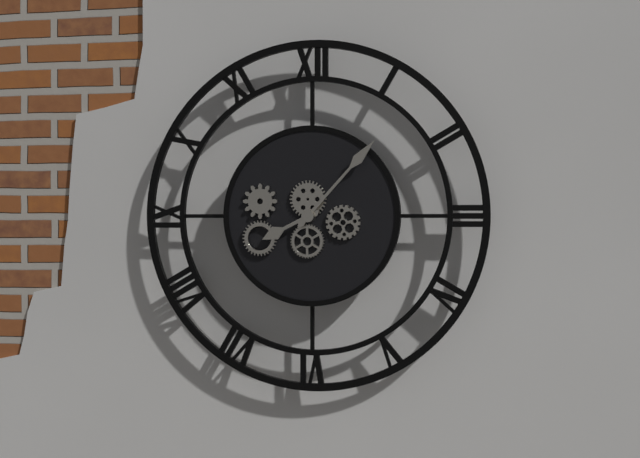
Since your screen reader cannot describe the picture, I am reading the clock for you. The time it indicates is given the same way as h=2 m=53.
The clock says h=8 m=7
